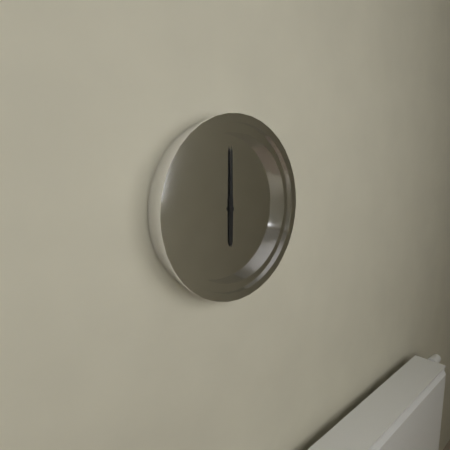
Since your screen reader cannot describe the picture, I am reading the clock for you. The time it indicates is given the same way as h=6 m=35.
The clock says h=6 m=0
